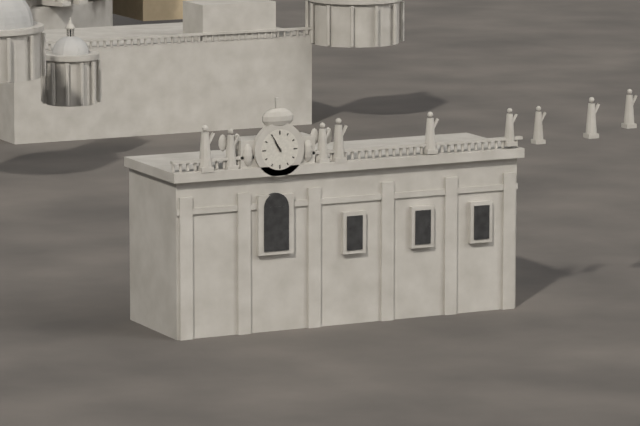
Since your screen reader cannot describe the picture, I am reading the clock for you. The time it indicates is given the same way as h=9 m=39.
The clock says h=10 m=55
